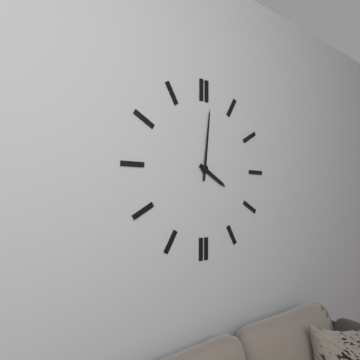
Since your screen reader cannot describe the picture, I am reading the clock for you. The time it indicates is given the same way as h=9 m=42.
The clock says h=4 m=1
